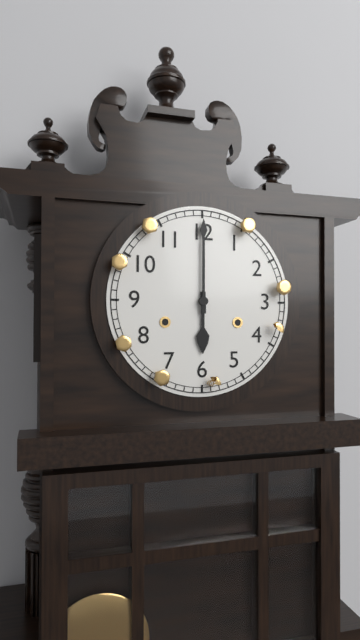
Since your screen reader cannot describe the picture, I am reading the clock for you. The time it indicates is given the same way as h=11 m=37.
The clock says h=6 m=0
